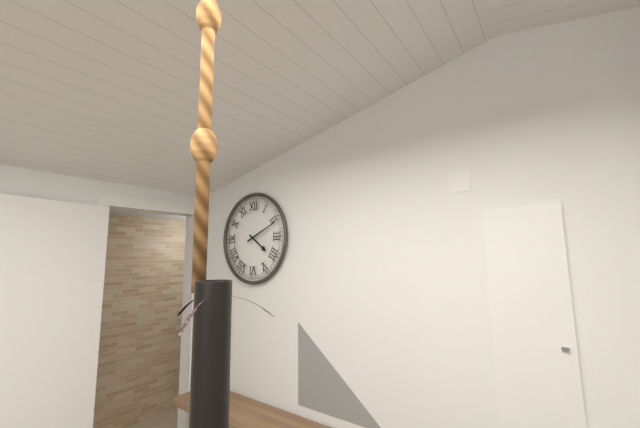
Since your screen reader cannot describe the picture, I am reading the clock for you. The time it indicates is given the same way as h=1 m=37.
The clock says h=4 m=11
